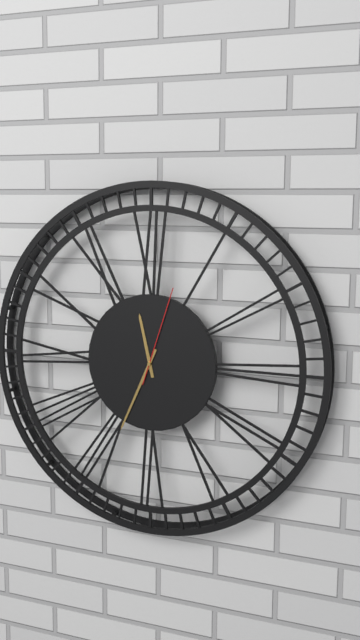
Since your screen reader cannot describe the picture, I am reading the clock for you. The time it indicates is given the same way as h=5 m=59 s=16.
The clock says h=11 m=34 s=3
